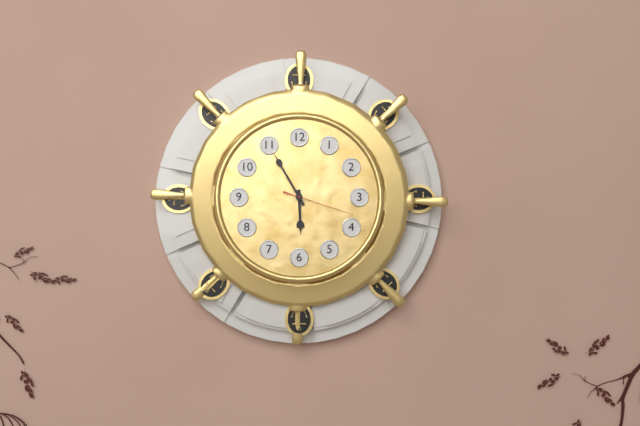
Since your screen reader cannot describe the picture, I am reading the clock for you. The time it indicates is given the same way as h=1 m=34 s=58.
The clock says h=5 m=55 s=18
